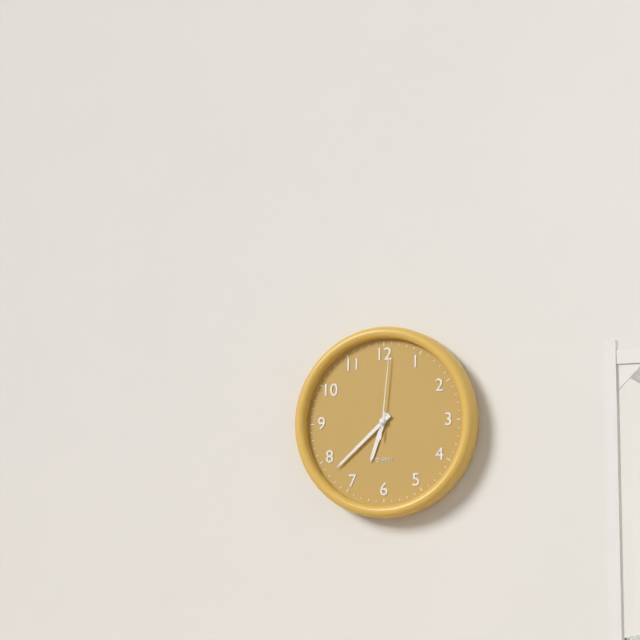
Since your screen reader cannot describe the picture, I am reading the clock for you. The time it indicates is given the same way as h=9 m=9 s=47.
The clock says h=6 m=38 s=1
